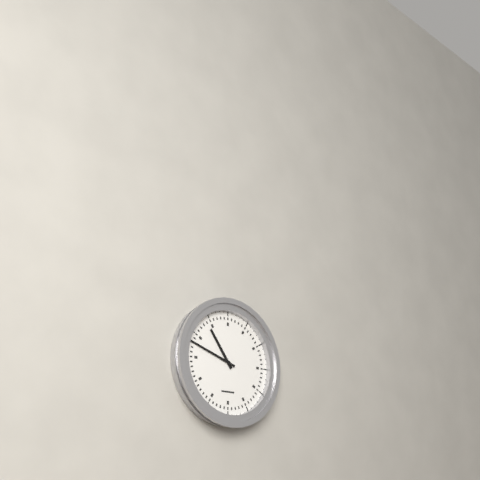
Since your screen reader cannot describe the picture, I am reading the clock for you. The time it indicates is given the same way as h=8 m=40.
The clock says h=10 m=48
